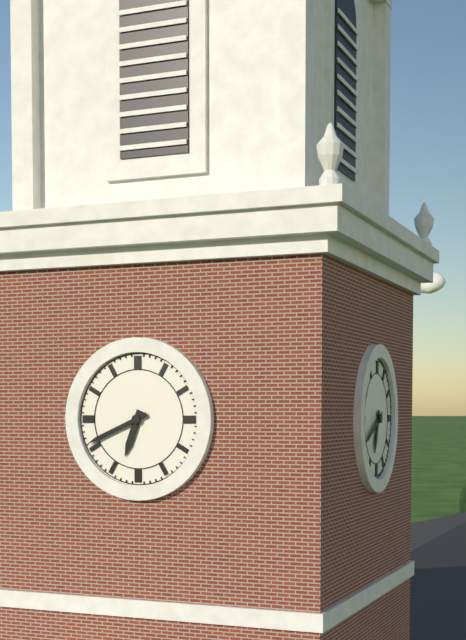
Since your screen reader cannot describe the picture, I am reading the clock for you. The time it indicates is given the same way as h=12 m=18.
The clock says h=6 m=41
